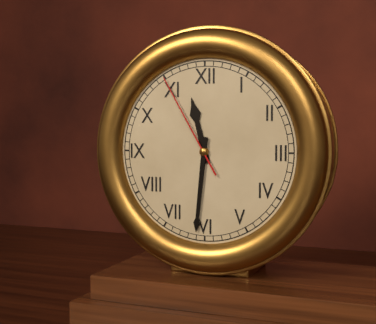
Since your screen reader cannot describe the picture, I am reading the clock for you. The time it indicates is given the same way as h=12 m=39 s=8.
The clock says h=11 m=31 s=55
